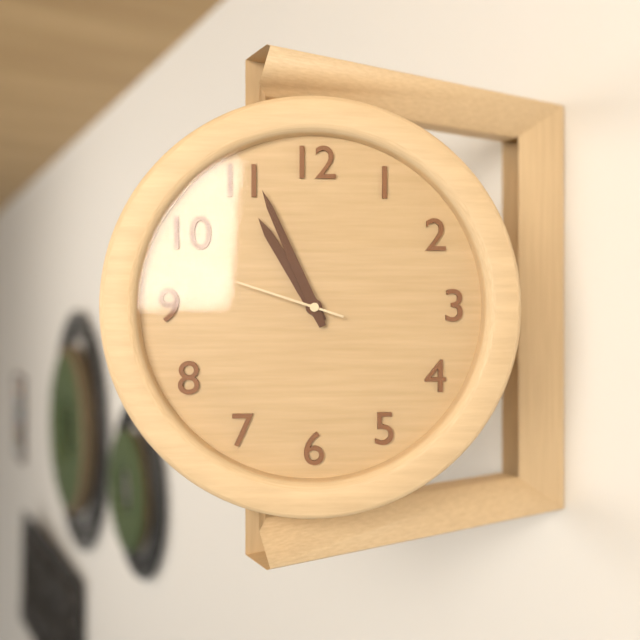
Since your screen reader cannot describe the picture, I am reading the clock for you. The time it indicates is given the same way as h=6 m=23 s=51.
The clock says h=10 m=56 s=48
